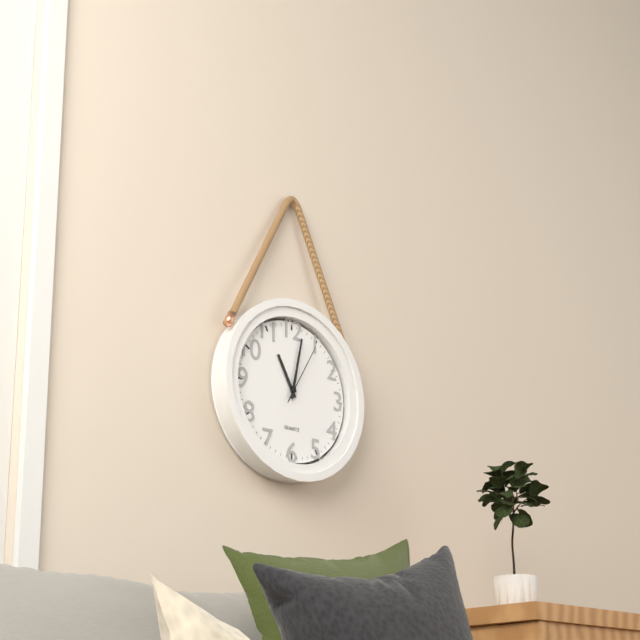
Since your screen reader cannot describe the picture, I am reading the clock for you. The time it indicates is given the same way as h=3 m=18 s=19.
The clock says h=11 m=2 s=5
